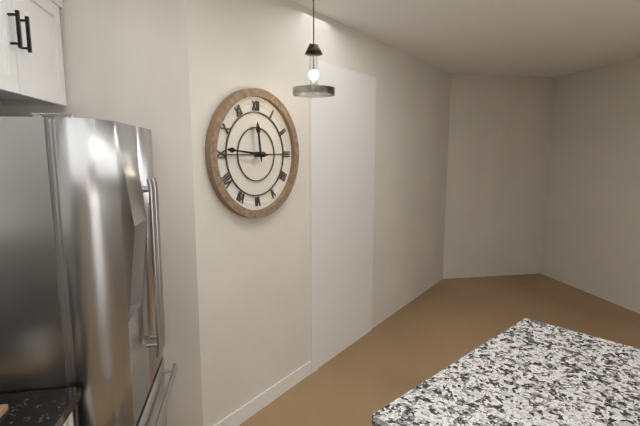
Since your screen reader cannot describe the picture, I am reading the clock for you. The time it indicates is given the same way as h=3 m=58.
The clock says h=11 m=46
